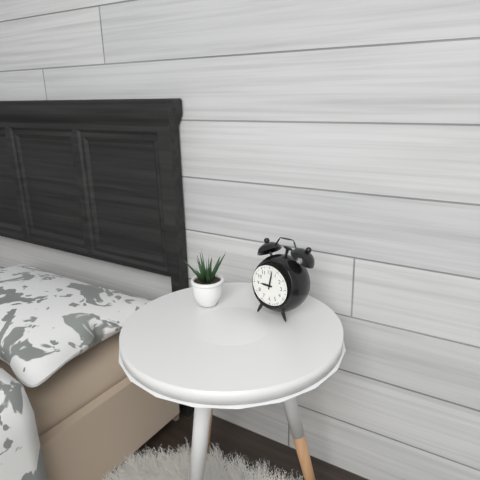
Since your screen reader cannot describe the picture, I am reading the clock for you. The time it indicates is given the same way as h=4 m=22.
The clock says h=9 m=2
